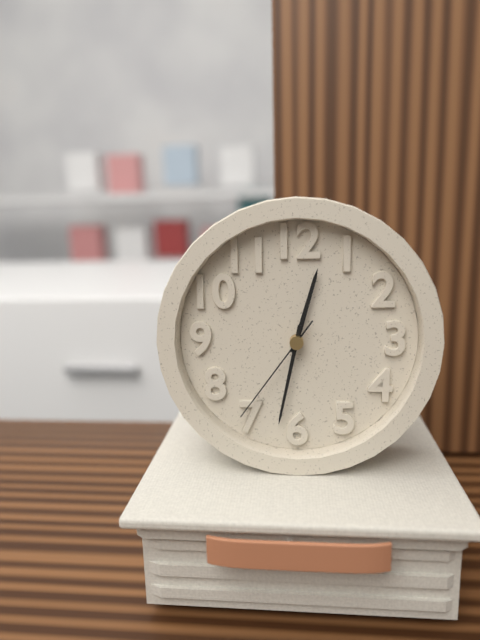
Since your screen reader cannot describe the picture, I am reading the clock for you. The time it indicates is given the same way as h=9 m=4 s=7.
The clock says h=12 m=32 s=36
